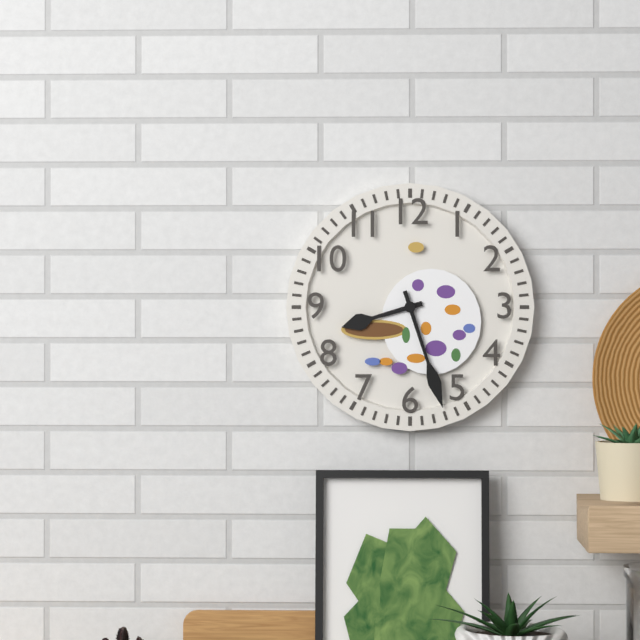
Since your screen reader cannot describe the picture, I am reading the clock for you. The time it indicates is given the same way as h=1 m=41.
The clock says h=8 m=27
